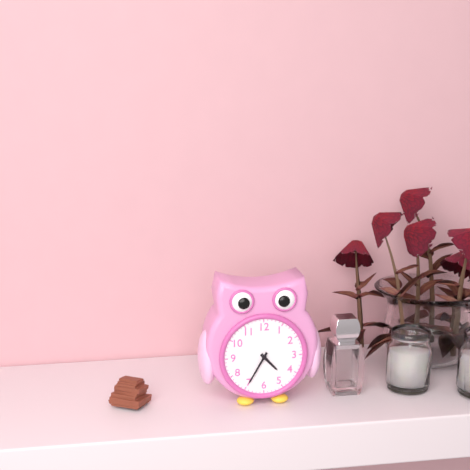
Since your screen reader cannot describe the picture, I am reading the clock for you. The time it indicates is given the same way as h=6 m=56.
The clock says h=4 m=35
